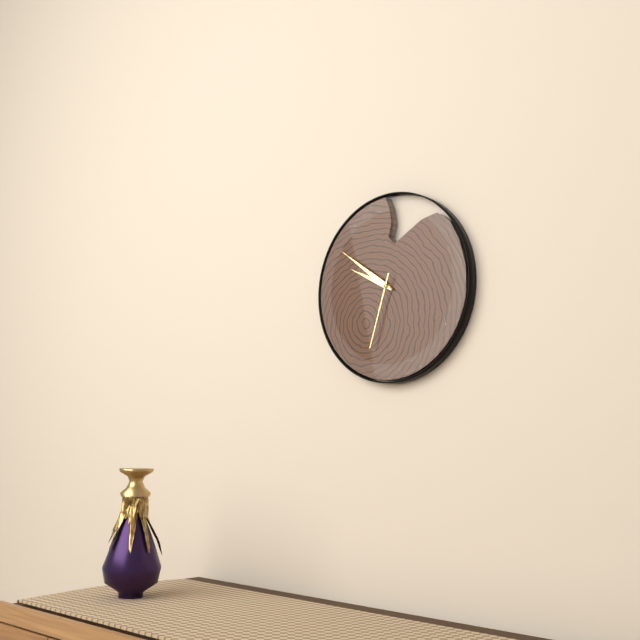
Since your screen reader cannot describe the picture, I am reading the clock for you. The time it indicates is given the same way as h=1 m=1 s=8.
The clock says h=9 m=51 s=33
